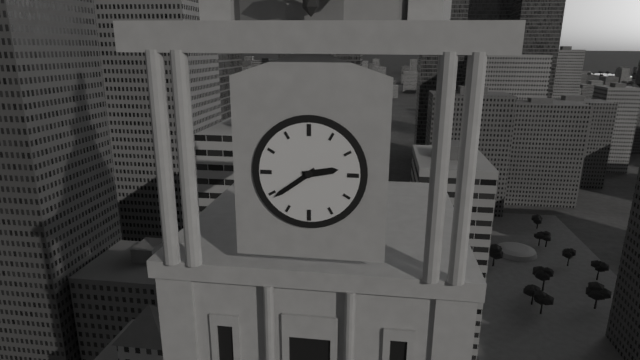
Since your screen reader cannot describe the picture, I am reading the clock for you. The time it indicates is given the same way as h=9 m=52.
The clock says h=2 m=39
